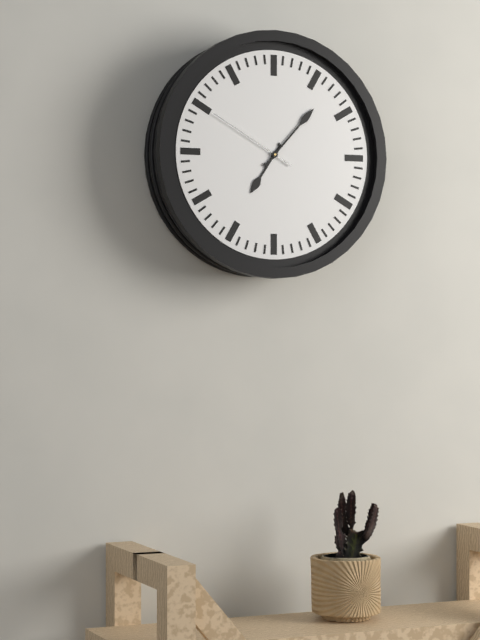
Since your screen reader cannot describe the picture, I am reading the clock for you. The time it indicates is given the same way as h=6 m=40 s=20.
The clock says h=7 m=7 s=50
